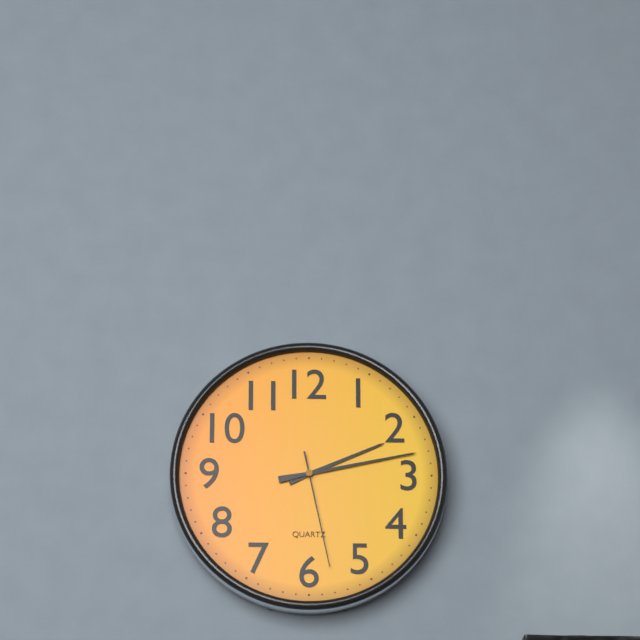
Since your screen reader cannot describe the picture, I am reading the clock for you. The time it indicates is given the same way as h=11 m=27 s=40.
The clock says h=2 m=13 s=28
